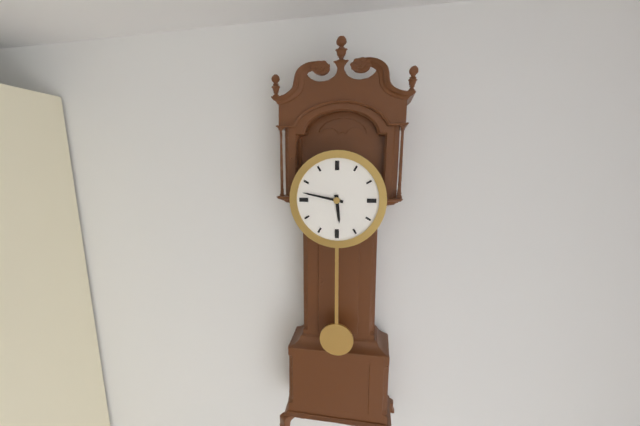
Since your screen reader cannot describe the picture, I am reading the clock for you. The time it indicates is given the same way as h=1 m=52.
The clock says h=5 m=47
